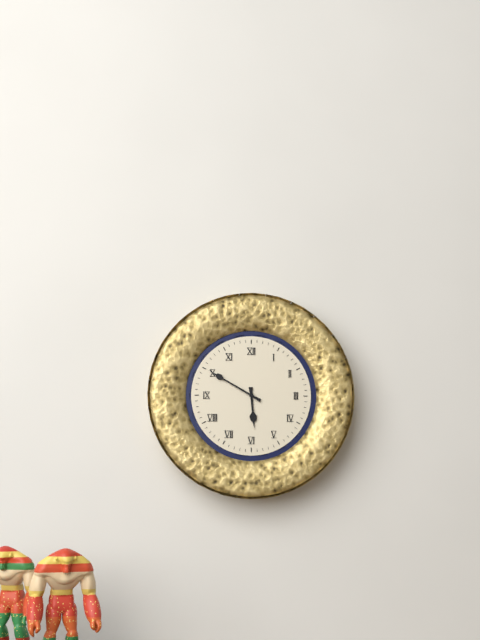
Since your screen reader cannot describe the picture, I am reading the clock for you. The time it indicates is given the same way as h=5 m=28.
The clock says h=5 m=50
